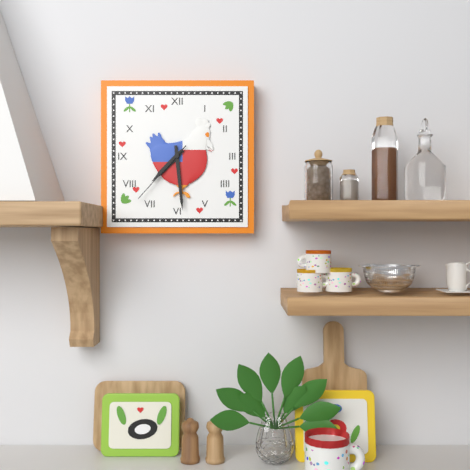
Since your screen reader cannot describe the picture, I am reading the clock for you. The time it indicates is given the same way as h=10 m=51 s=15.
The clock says h=7 m=29 s=37
